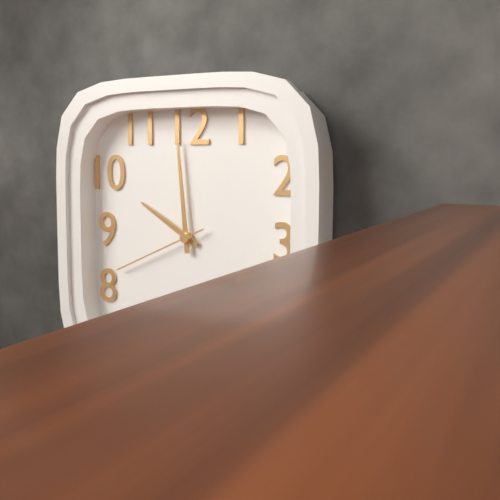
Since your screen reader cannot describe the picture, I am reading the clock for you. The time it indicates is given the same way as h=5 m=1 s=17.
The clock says h=9 m=59 s=41
